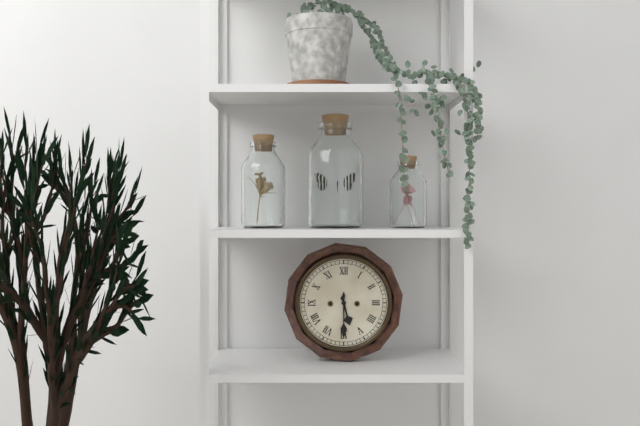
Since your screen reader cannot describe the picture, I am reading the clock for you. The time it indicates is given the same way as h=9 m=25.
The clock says h=5 m=30
